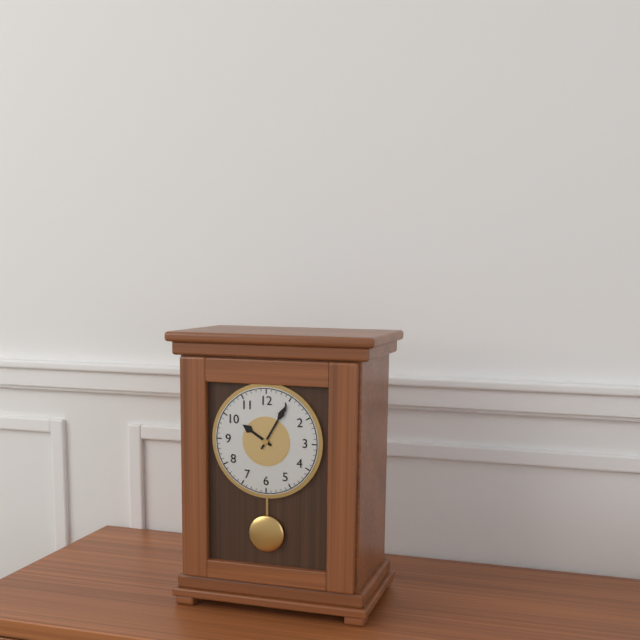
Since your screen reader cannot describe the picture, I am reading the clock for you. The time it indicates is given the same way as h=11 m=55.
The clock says h=10 m=5
